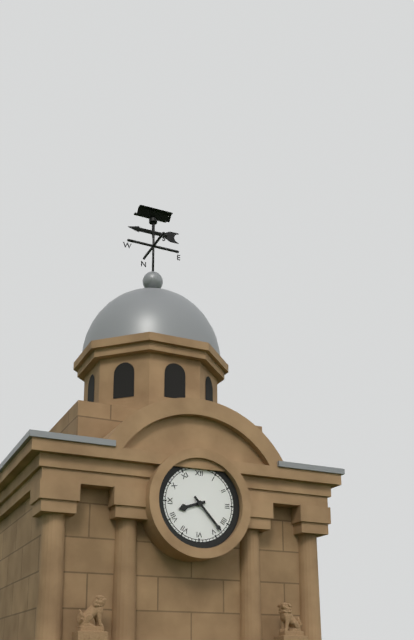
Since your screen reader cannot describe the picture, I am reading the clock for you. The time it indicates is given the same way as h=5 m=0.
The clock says h=8 m=23
